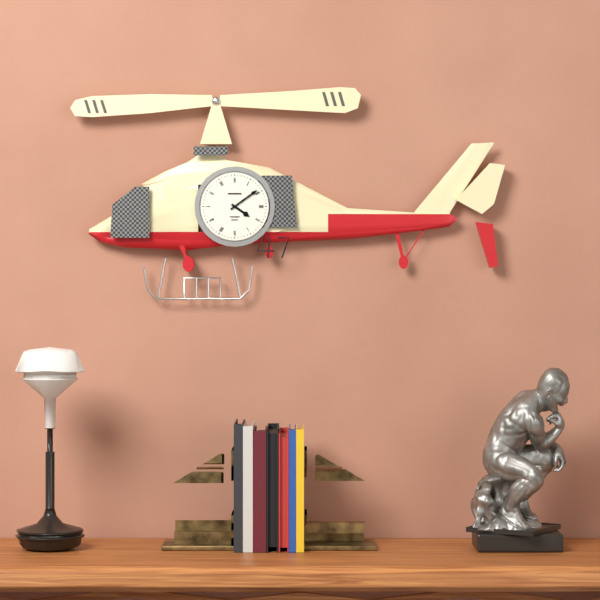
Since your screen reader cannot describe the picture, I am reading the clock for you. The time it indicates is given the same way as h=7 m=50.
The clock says h=4 m=9
